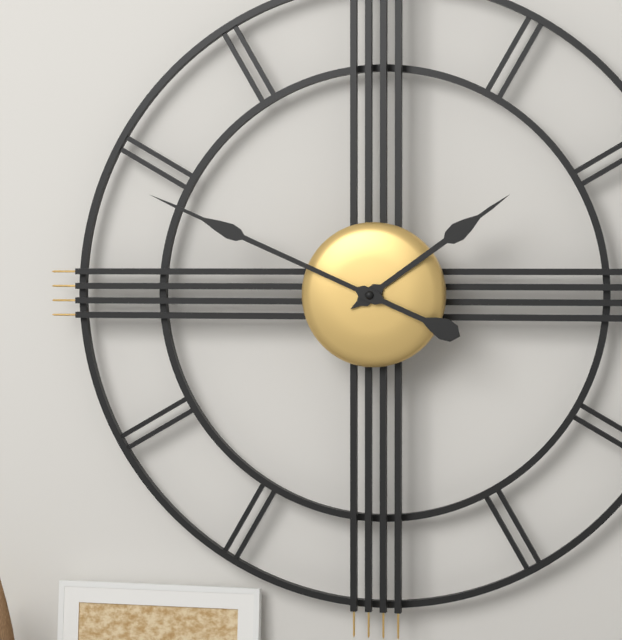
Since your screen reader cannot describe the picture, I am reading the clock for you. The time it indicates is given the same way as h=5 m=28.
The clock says h=1 m=49
